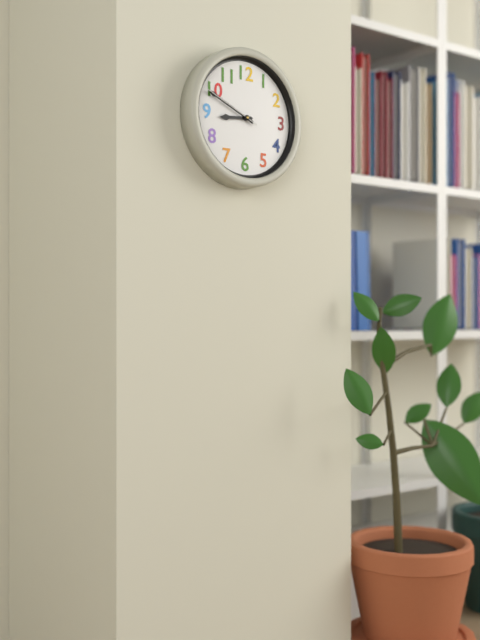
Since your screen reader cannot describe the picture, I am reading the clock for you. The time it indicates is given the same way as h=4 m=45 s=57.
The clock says h=8 m=49 s=49
